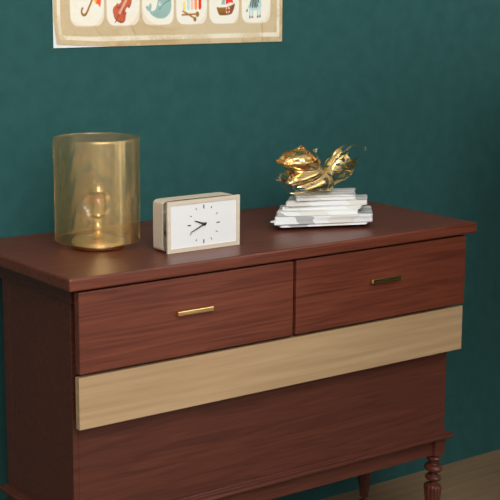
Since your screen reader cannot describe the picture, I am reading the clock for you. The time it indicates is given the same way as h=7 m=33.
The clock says h=9 m=41
